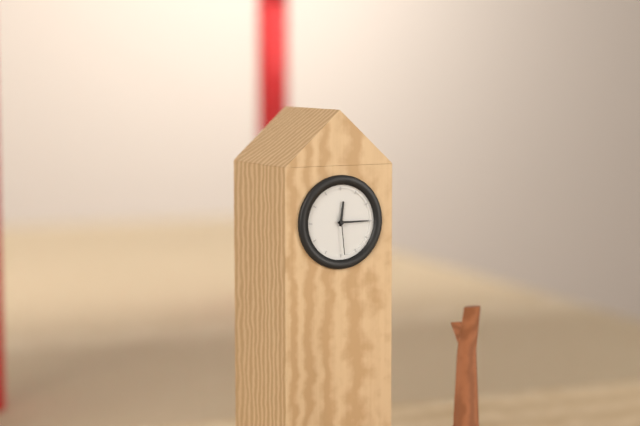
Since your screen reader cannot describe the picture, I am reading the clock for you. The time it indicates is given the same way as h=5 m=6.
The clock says h=12 m=15
